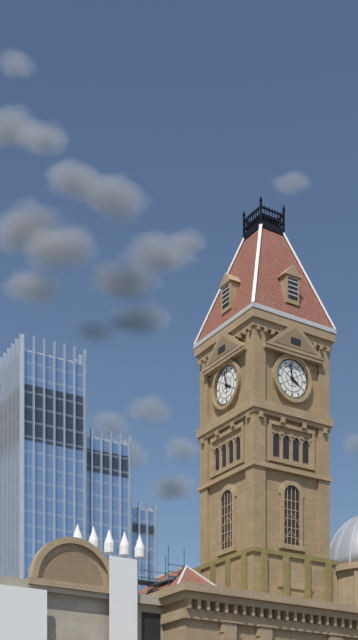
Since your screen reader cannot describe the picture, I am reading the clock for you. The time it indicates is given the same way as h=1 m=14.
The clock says h=3 m=58
